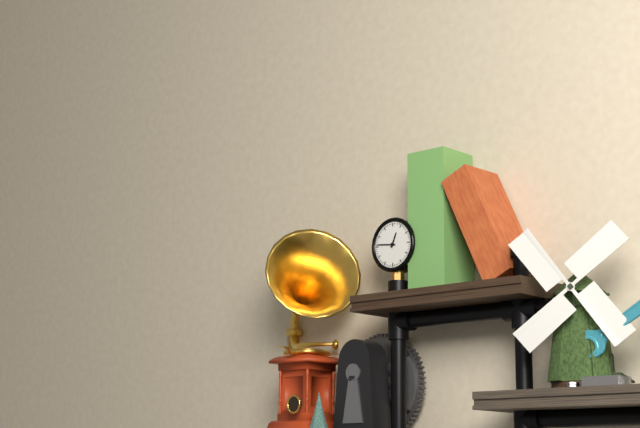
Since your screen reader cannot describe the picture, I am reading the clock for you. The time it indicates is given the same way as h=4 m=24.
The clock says h=12 m=46
